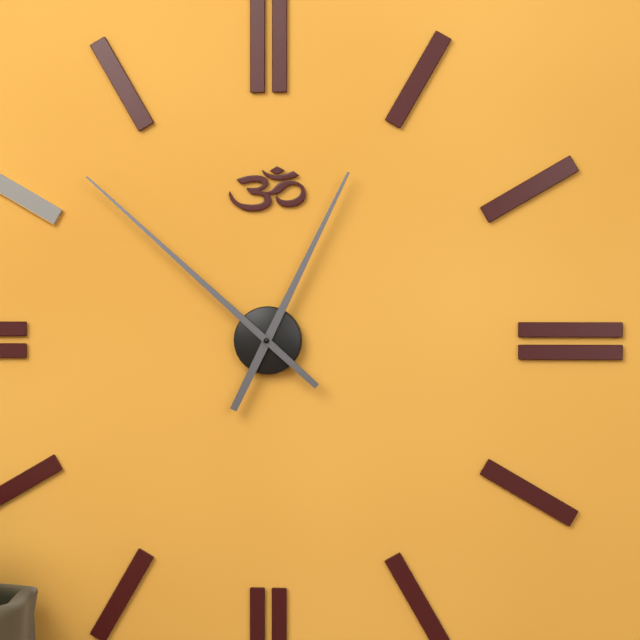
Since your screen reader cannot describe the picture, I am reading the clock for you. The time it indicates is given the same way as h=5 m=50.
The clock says h=12 m=52
